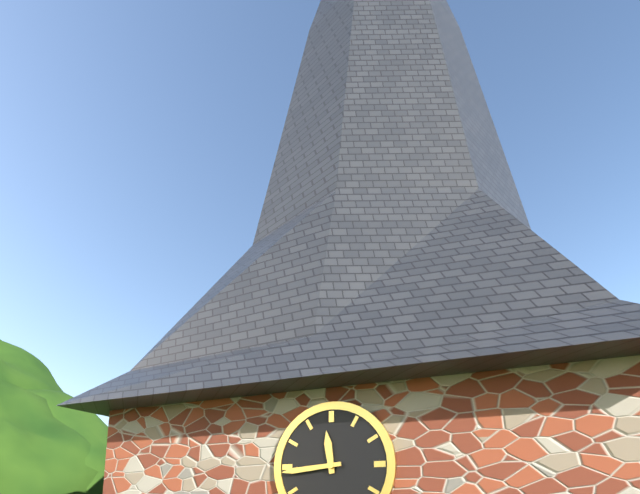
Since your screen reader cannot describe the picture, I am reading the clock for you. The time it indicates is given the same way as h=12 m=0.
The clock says h=11 m=44
